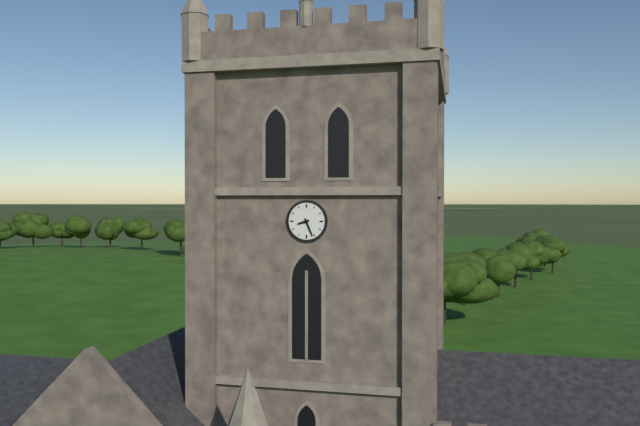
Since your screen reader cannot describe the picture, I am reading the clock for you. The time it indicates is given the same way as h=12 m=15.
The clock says h=8 m=26
